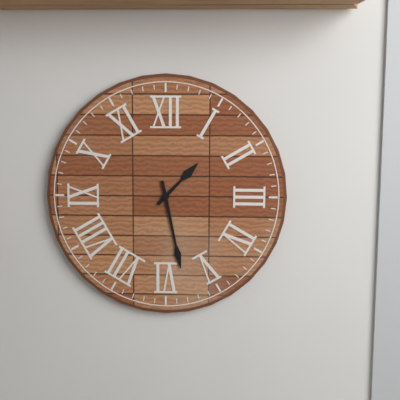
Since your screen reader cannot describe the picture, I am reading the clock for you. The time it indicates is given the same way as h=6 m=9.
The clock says h=1 m=28
